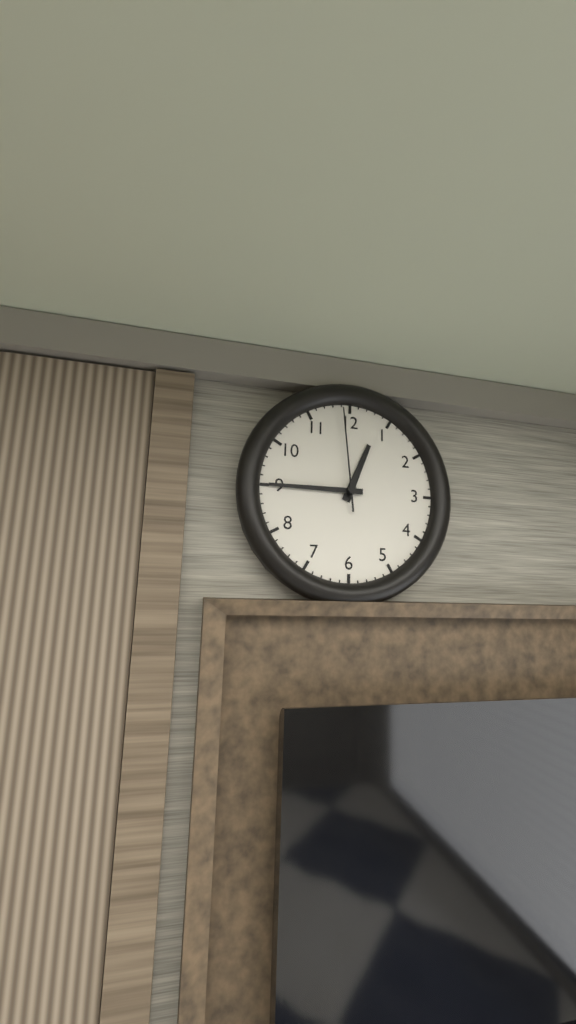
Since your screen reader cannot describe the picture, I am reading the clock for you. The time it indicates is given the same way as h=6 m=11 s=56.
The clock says h=12 m=45 s=59
